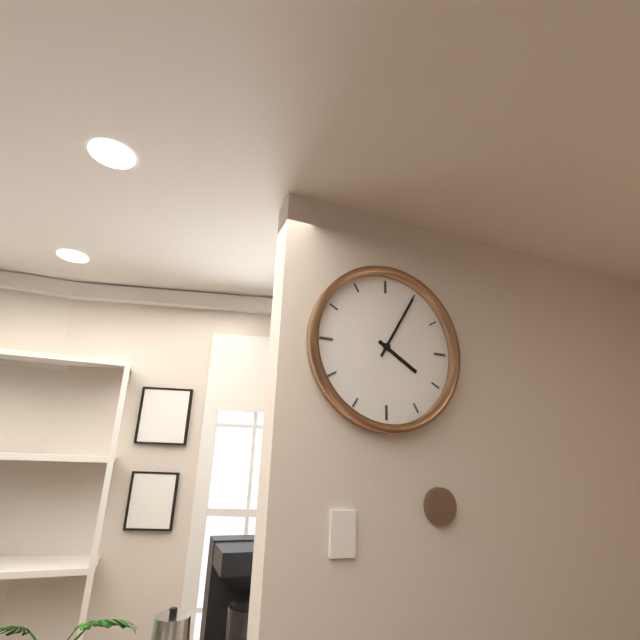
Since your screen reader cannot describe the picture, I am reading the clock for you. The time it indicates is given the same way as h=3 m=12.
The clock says h=4 m=5
